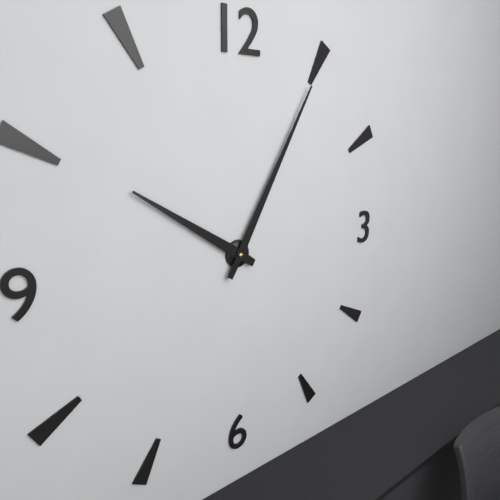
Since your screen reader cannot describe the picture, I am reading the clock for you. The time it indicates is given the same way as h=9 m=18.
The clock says h=10 m=5
